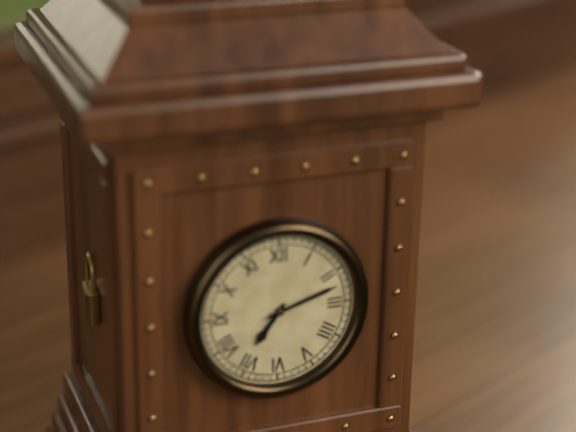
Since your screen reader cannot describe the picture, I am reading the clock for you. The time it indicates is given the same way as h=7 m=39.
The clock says h=7 m=12
